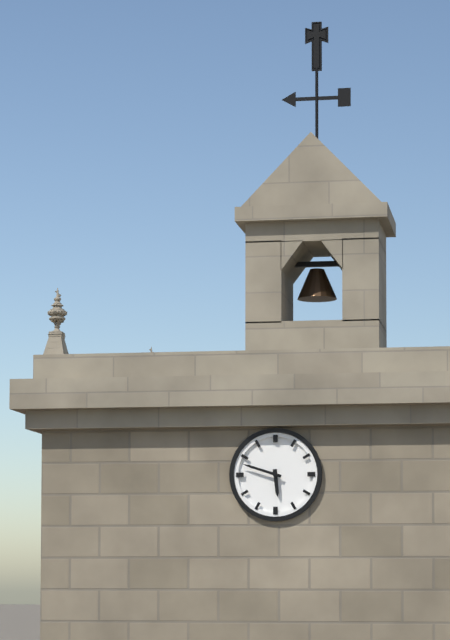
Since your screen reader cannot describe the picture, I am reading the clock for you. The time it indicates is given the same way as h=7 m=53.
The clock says h=5 m=48
